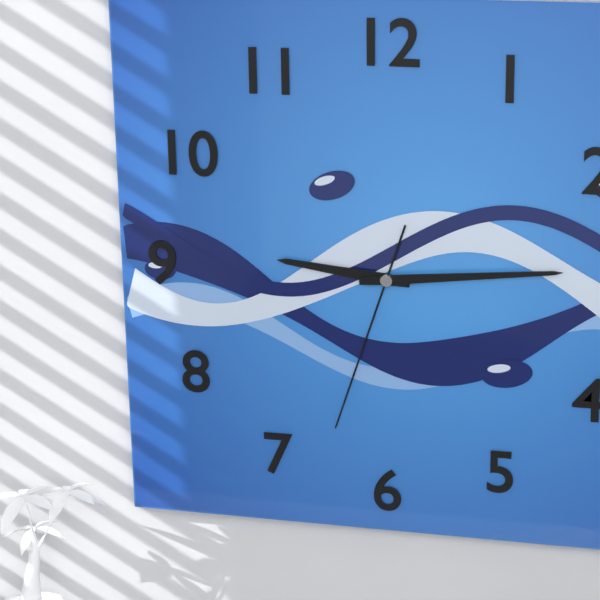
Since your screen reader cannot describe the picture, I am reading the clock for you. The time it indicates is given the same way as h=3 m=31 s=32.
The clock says h=9 m=14 s=33
